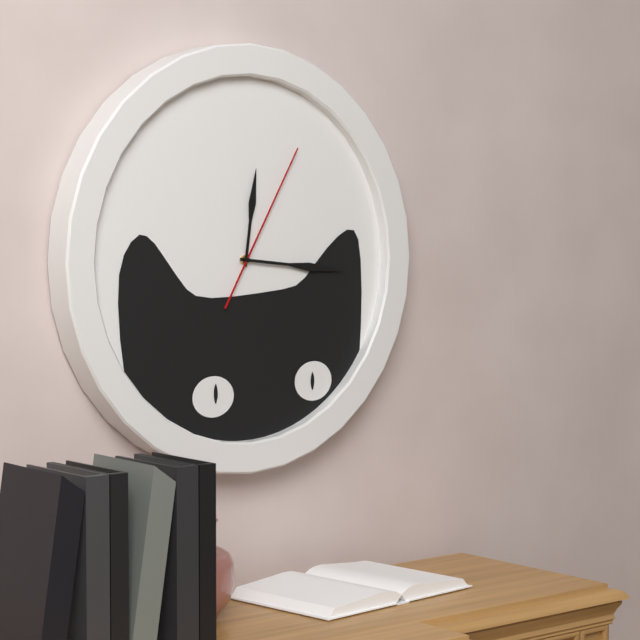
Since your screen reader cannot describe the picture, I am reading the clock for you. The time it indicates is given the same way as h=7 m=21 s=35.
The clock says h=12 m=16 s=5
